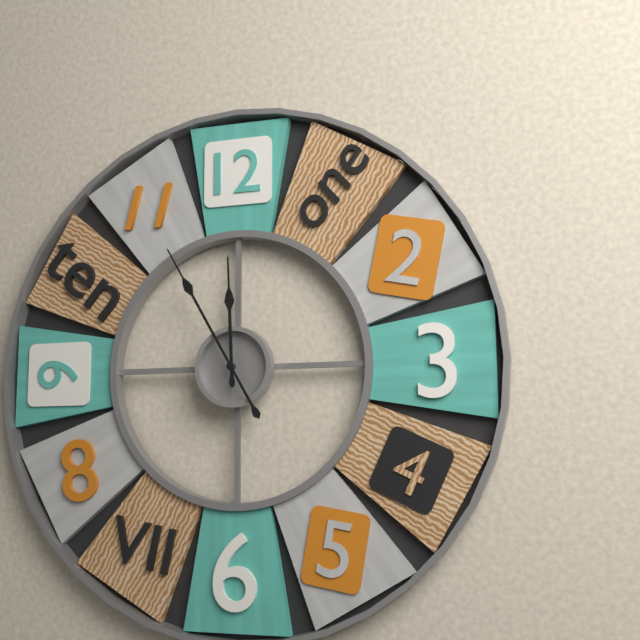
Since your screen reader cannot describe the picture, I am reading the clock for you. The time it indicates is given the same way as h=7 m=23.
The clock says h=11 m=55
